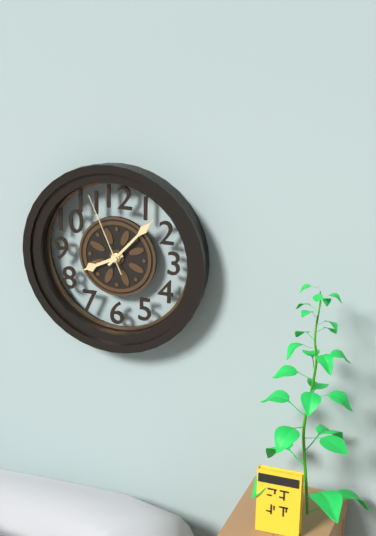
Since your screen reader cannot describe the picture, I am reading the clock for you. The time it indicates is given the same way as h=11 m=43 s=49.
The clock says h=8 m=7 s=56
